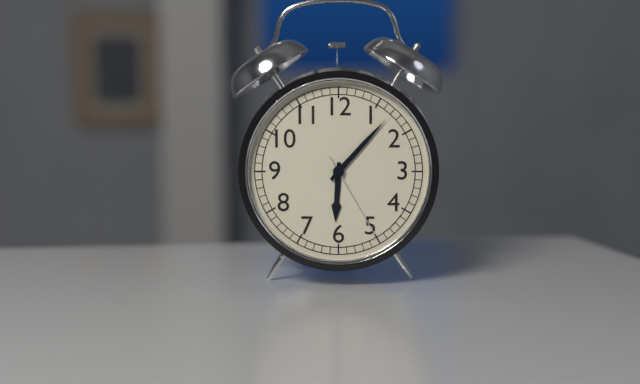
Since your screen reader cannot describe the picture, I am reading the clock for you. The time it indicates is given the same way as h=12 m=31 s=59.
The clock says h=6 m=7 s=25
